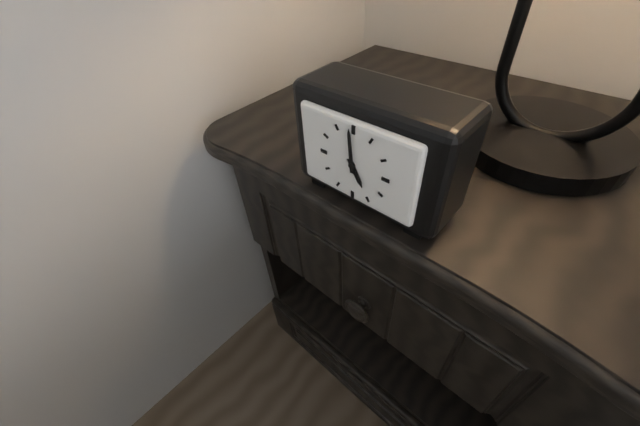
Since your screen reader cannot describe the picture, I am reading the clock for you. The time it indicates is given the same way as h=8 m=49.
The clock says h=4 m=59
